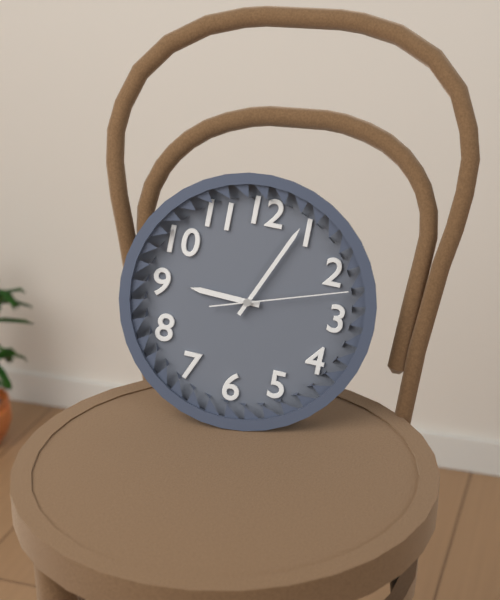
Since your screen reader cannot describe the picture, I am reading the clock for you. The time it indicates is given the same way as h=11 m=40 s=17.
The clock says h=9 m=4 s=12
